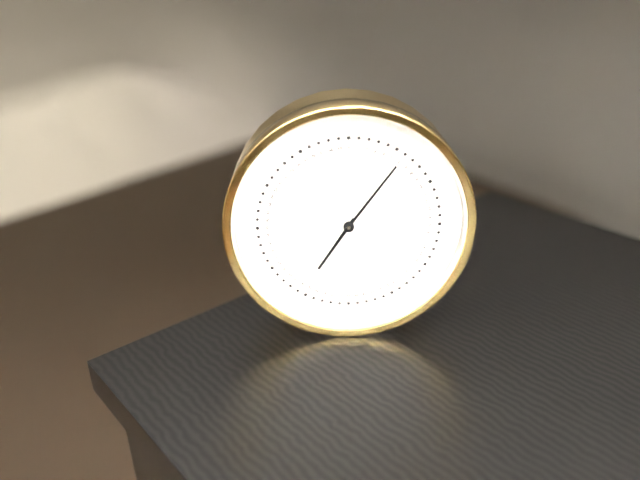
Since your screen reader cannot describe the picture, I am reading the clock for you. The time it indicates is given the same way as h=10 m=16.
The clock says h=7 m=6
